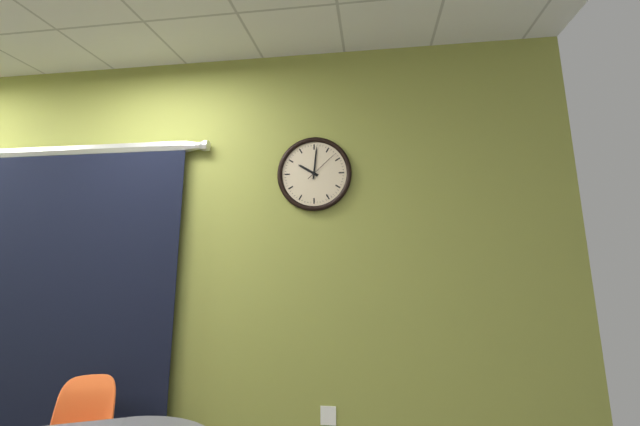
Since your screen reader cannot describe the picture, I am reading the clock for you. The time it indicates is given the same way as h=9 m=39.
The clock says h=10 m=1
